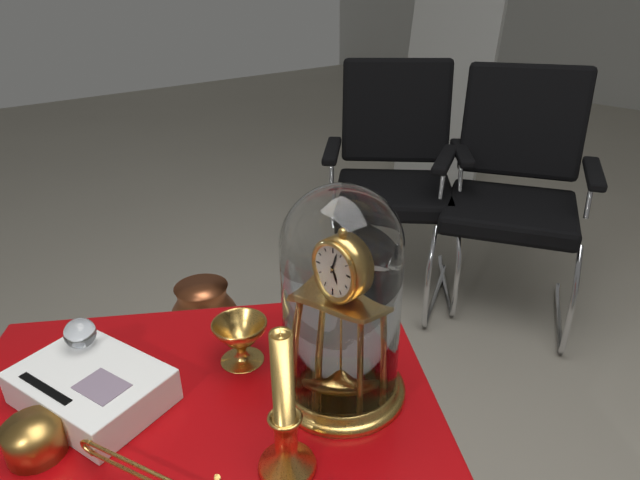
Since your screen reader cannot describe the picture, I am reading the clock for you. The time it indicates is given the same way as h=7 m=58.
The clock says h=5 m=3
